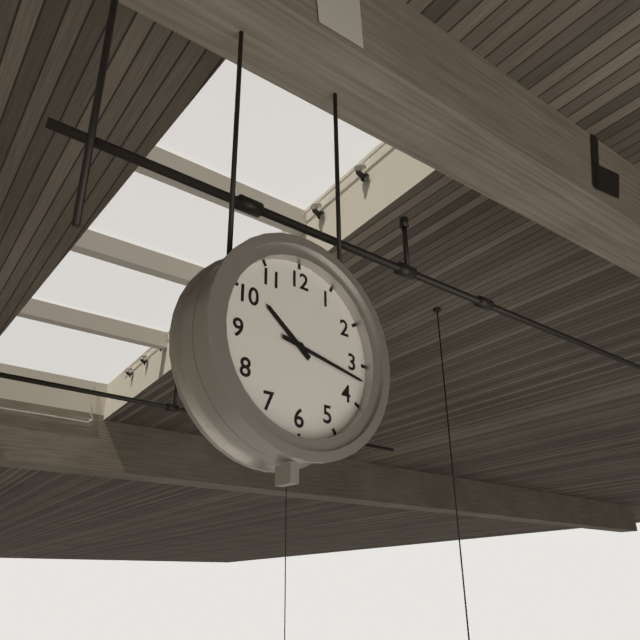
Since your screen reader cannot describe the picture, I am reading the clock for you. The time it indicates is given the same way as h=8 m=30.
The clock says h=10 m=17
